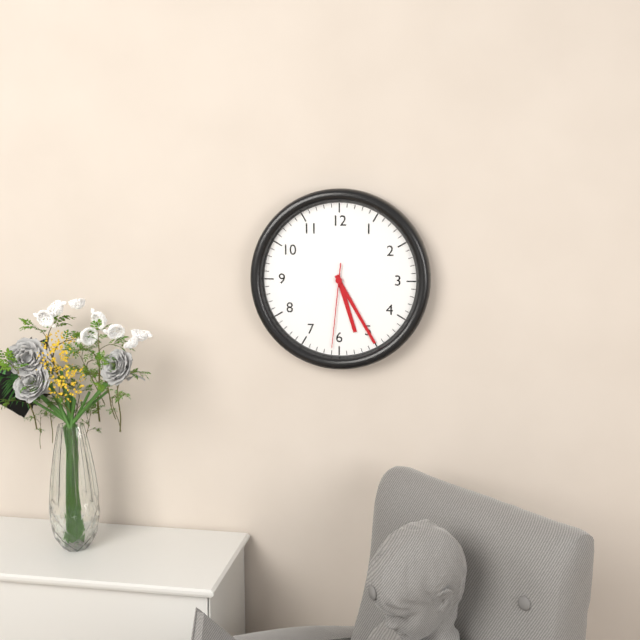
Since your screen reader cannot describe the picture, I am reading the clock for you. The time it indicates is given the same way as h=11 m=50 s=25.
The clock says h=5 m=25 s=31
